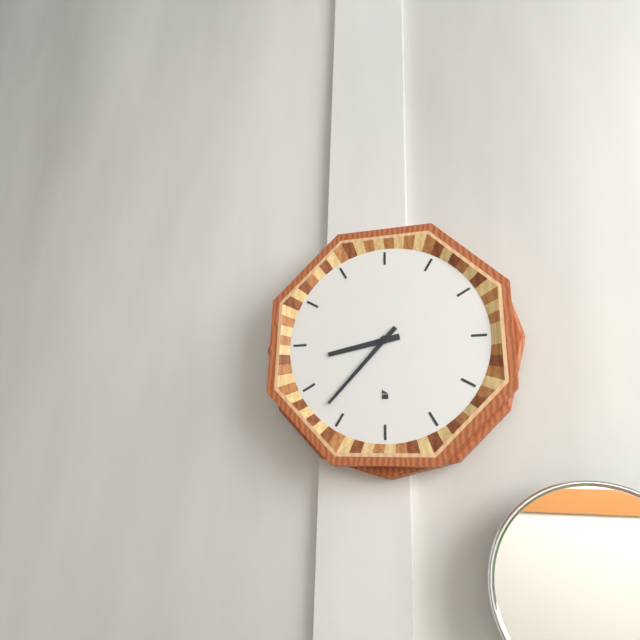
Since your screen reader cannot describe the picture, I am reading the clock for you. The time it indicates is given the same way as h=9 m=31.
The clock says h=8 m=37
